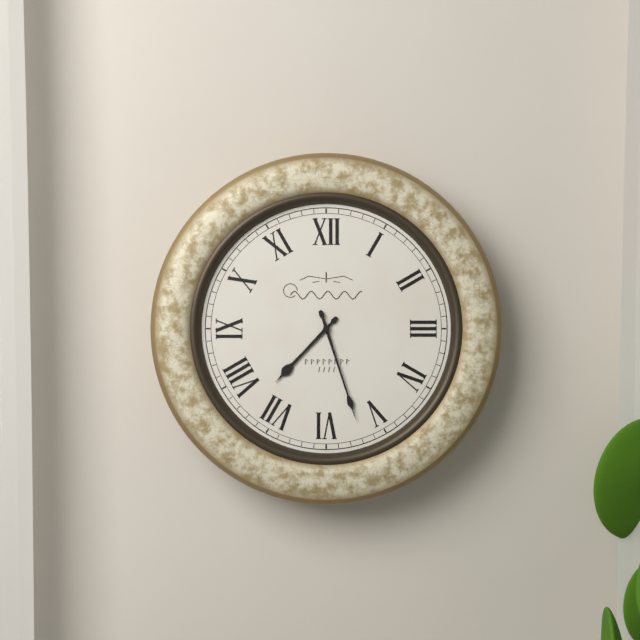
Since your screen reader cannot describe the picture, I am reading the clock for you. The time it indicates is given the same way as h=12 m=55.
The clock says h=7 m=27
